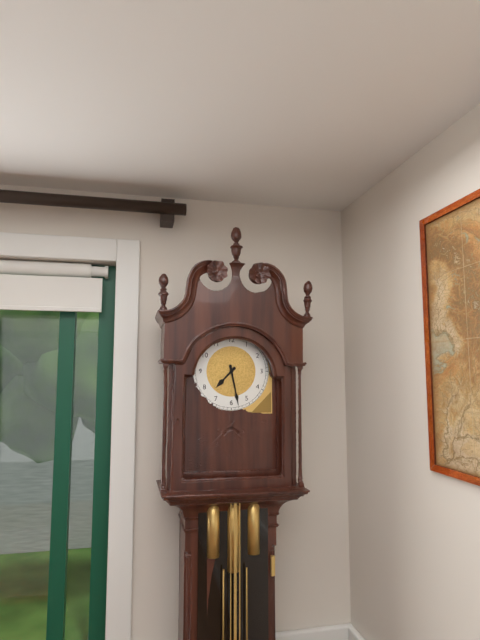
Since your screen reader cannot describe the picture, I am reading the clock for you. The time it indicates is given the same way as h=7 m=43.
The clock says h=7 m=28
